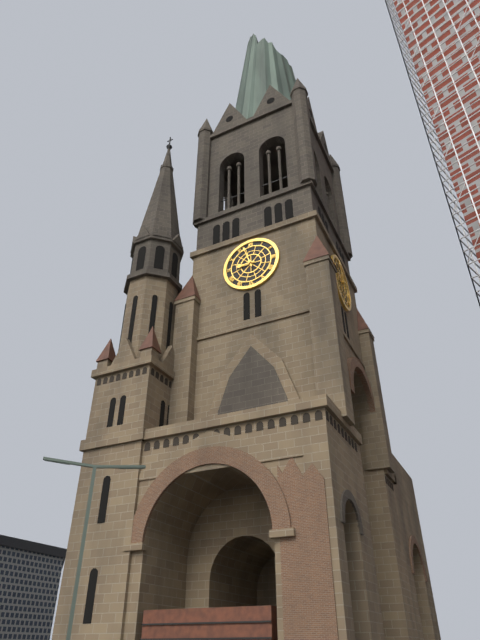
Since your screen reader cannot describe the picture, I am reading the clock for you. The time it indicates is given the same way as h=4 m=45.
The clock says h=8 m=57
